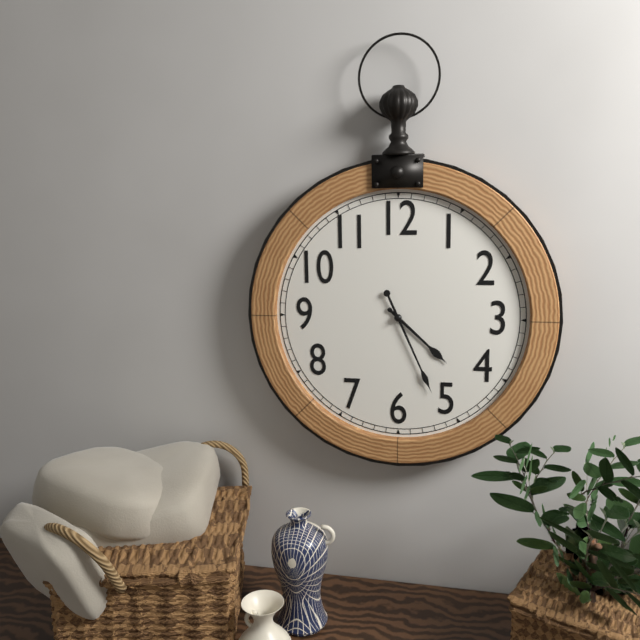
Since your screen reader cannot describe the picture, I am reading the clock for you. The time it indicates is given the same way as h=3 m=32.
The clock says h=4 m=26
